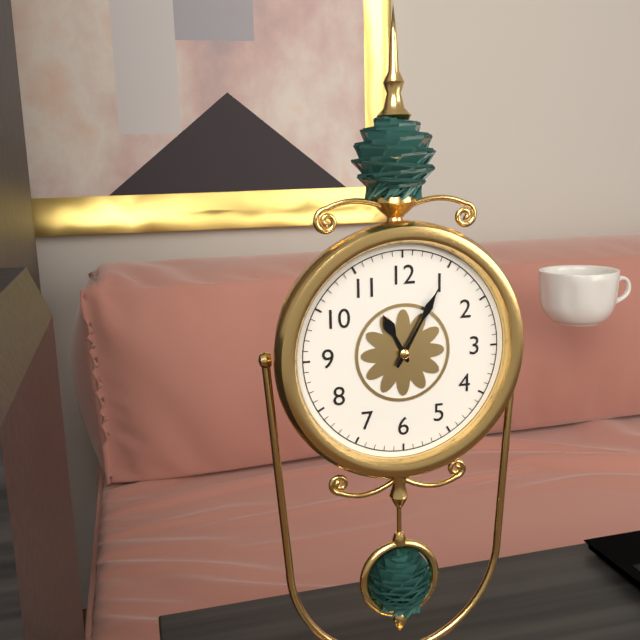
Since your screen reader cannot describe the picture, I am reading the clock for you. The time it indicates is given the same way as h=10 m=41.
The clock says h=11 m=5
